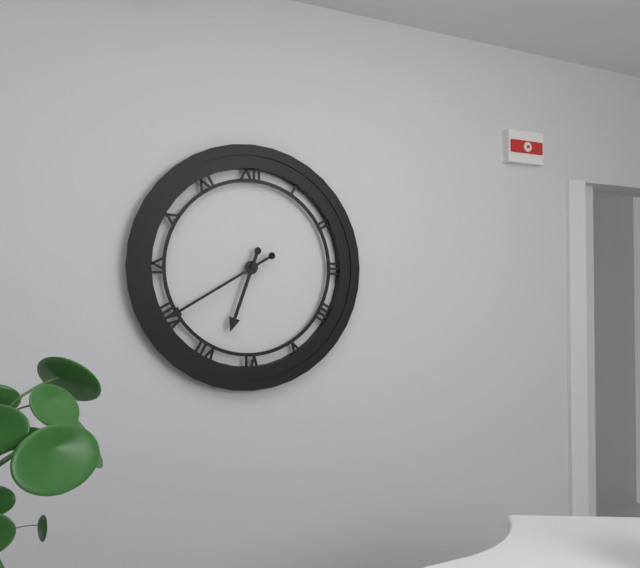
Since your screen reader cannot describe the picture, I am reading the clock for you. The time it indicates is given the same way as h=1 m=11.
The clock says h=6 m=40
